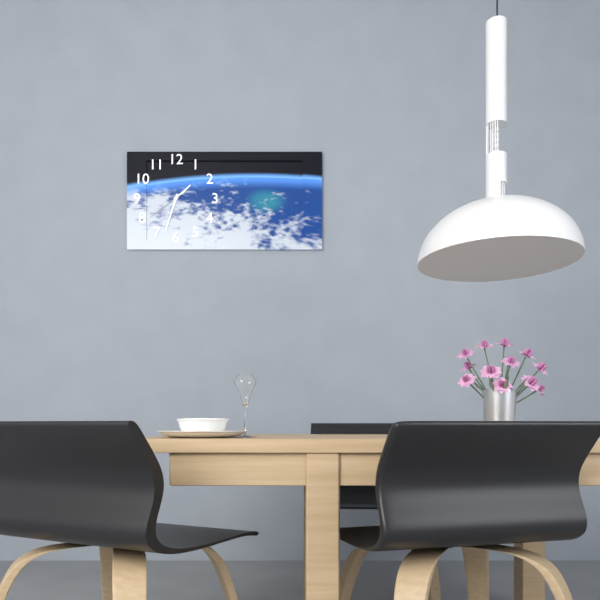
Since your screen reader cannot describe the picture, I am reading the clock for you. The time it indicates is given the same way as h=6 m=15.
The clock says h=1 m=33
